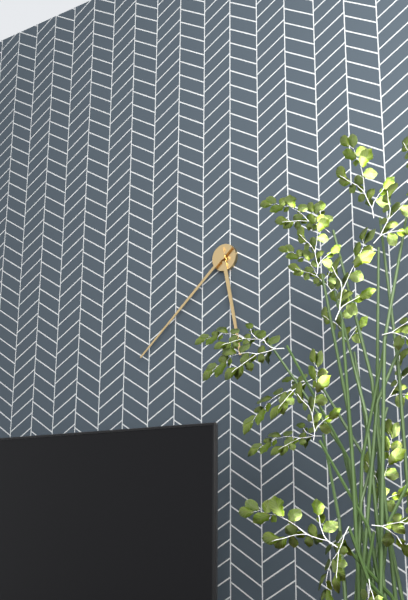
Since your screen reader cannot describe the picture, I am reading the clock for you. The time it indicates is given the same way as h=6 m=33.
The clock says h=5 m=38
